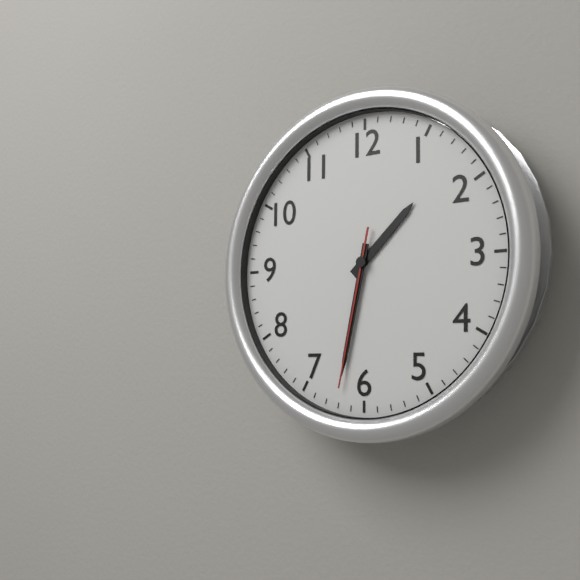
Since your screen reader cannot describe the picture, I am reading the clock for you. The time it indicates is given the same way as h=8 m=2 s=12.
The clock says h=1 m=32 s=32
